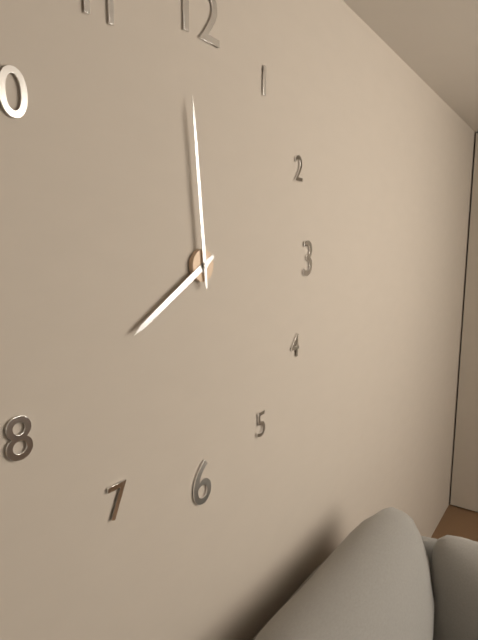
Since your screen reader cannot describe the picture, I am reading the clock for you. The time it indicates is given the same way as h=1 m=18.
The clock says h=7 m=59
